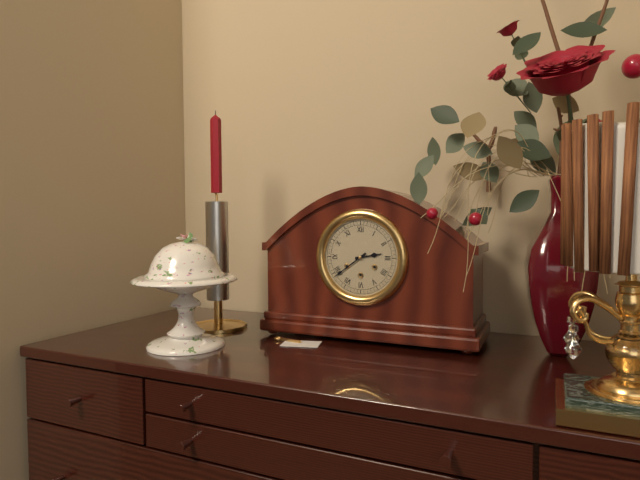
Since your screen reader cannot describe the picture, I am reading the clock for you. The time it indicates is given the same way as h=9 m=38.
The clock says h=2 m=39
